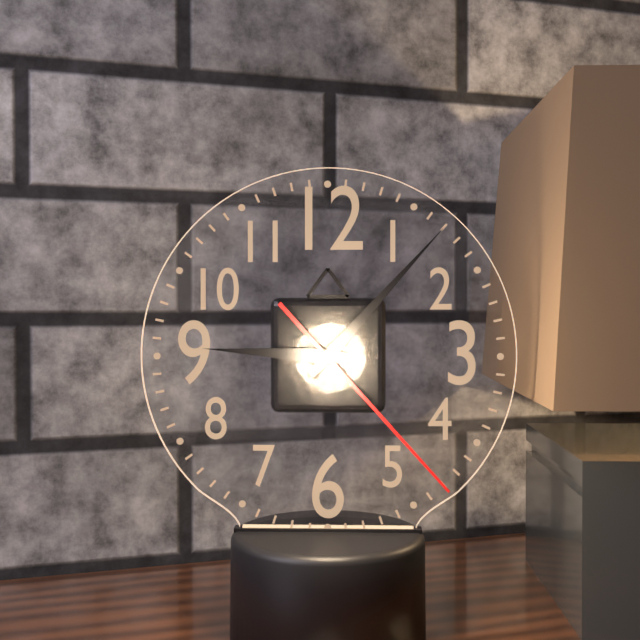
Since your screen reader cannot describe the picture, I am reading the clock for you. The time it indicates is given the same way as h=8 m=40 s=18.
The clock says h=9 m=7 s=23
